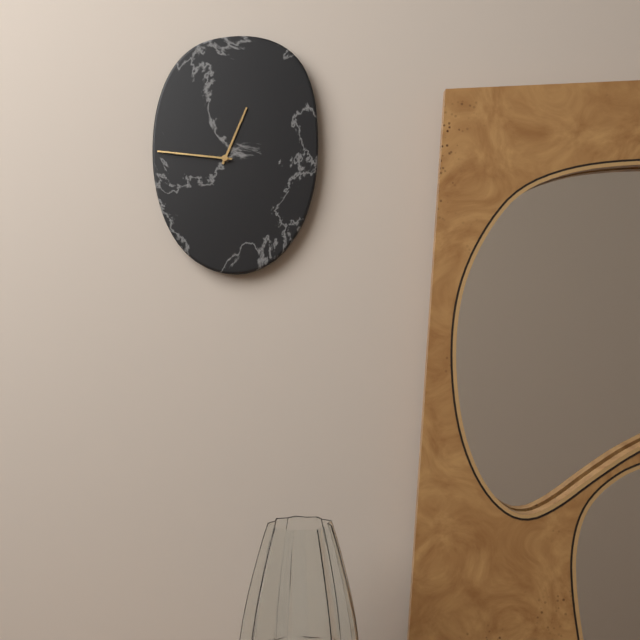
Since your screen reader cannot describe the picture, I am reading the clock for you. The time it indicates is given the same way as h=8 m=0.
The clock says h=12 m=46
